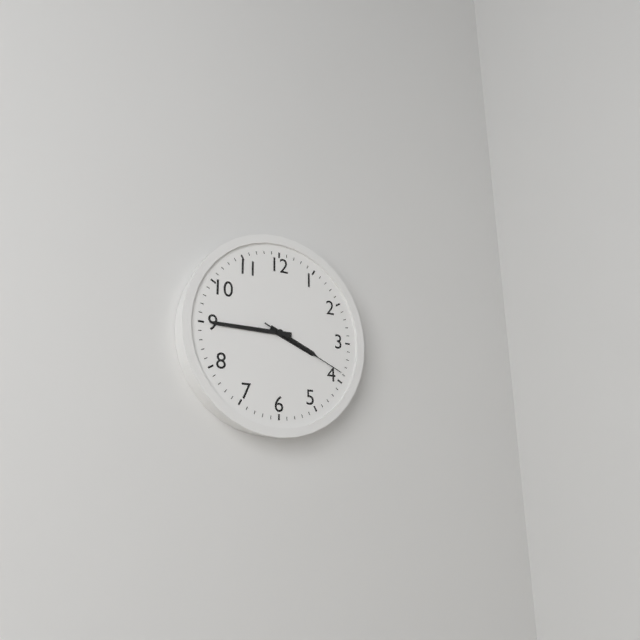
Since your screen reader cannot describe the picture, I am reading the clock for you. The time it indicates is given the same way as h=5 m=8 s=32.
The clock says h=3 m=45 s=19
